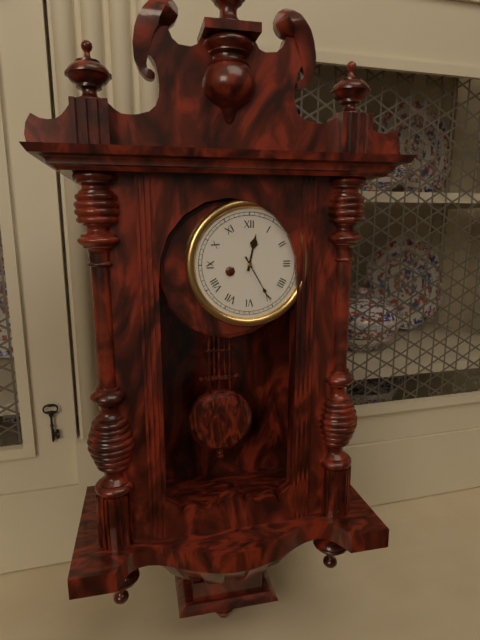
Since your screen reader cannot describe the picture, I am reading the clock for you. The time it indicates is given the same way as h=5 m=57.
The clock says h=12 m=25
